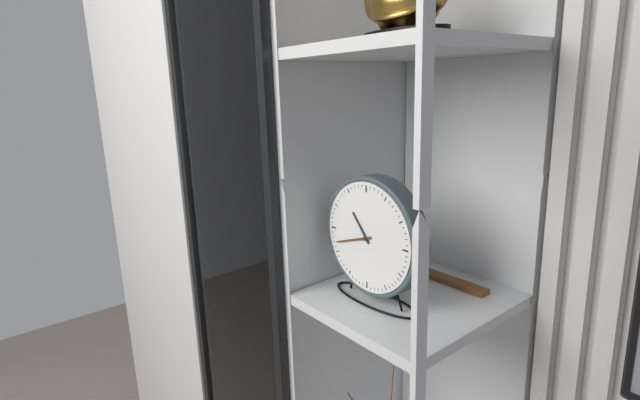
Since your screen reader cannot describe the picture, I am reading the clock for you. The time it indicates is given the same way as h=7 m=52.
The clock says h=10 m=42
